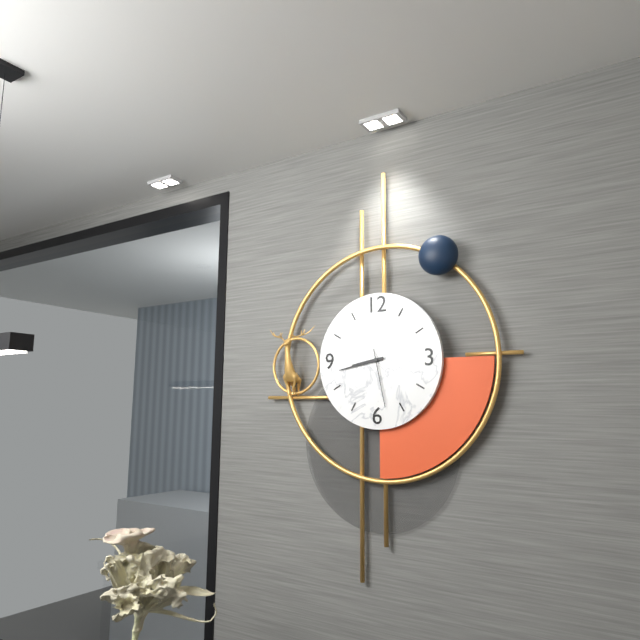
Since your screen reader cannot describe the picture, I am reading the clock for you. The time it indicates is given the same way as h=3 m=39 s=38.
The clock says h=8 m=43 s=28
